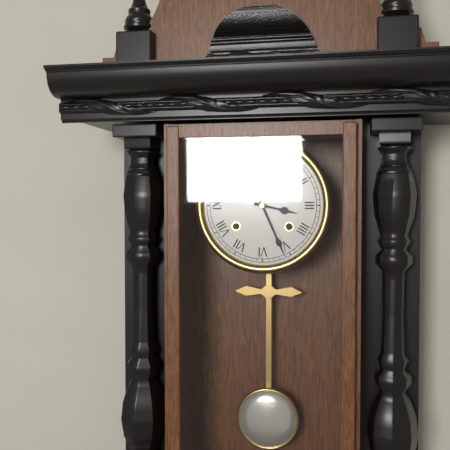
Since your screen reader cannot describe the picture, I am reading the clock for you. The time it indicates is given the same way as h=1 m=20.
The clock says h=3 m=26
